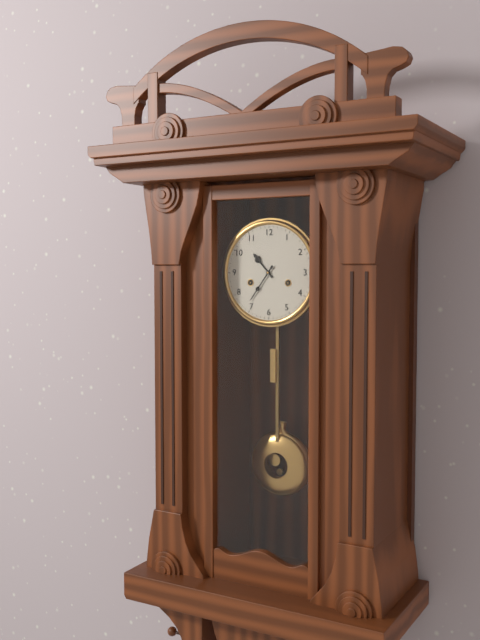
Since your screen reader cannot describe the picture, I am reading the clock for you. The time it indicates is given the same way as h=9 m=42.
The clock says h=10 m=36
